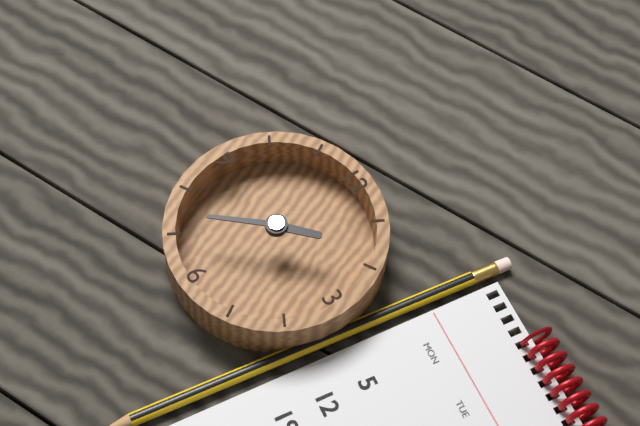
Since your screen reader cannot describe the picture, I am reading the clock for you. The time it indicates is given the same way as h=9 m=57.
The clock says h=1 m=37
